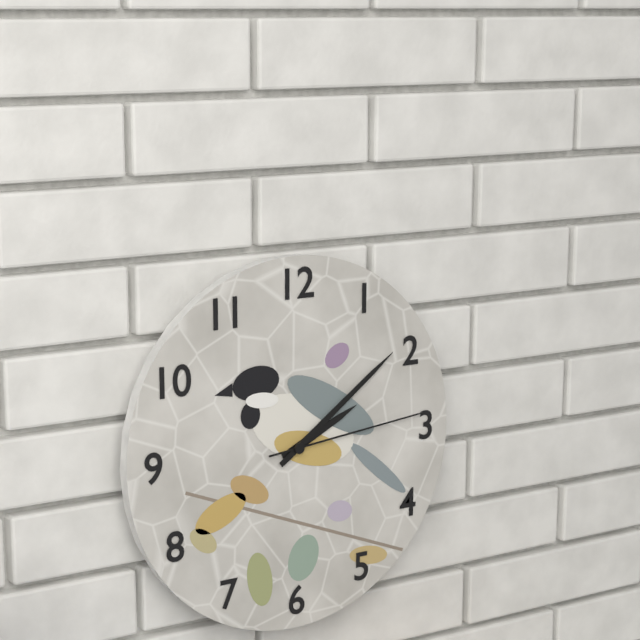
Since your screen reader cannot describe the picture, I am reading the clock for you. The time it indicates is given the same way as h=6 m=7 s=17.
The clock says h=2 m=9 s=14
